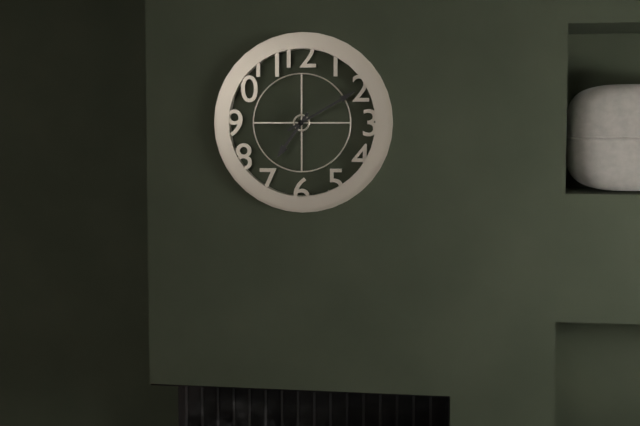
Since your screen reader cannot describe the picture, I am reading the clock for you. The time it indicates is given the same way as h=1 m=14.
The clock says h=7 m=10
